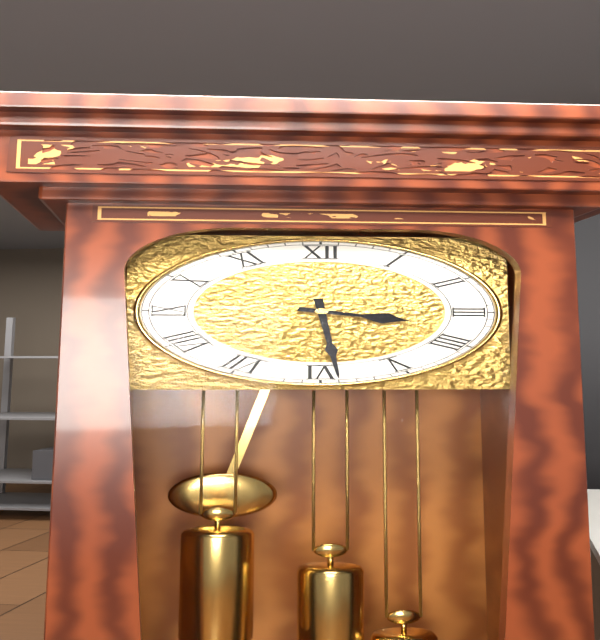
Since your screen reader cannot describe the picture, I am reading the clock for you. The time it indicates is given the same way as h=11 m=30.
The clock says h=3 m=29
